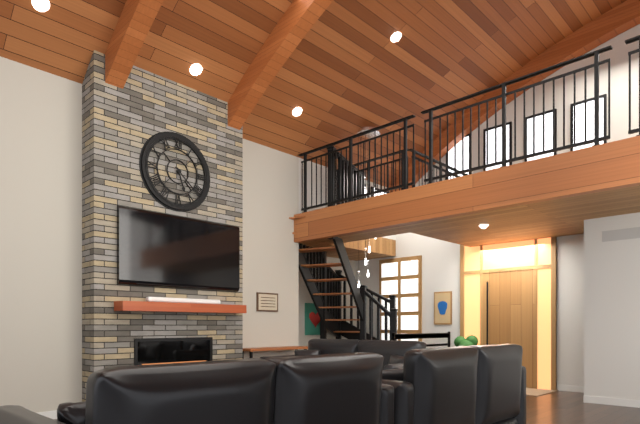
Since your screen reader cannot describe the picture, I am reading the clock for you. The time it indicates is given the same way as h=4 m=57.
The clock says h=5 m=22
